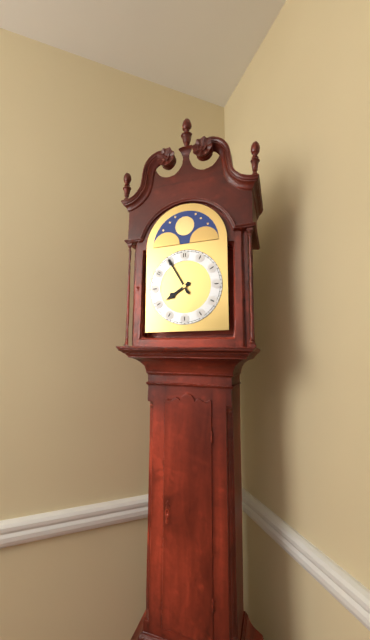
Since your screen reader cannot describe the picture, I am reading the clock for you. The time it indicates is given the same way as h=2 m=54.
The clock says h=7 m=55
